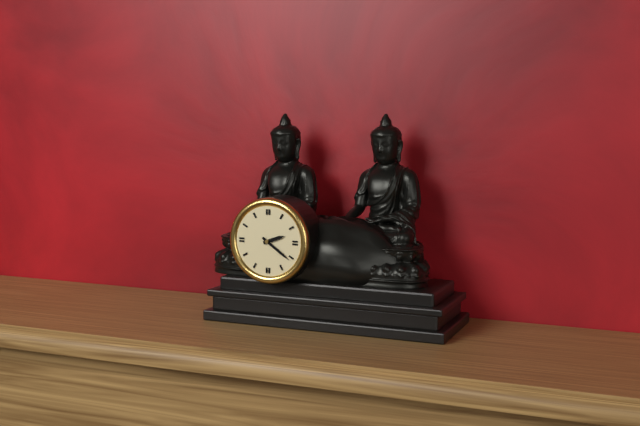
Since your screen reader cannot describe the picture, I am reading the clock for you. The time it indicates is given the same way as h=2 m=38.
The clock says h=2 m=21
